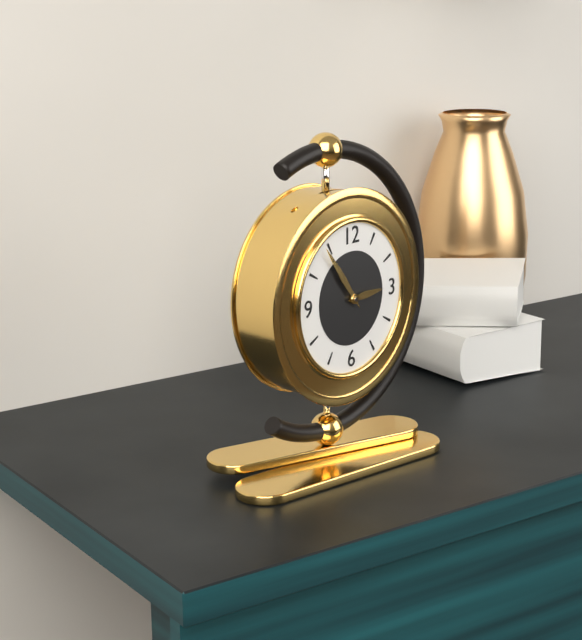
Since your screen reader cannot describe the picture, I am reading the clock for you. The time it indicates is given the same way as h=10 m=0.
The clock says h=2 m=54
